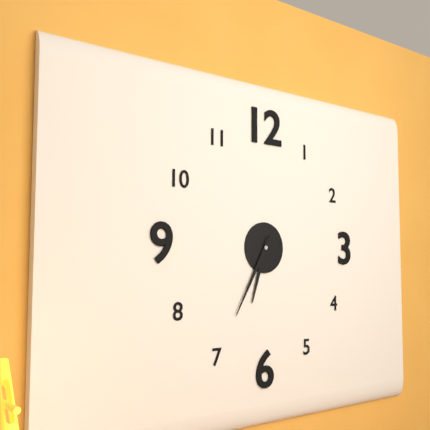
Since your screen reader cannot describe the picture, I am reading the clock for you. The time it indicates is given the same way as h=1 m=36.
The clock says h=6 m=35
